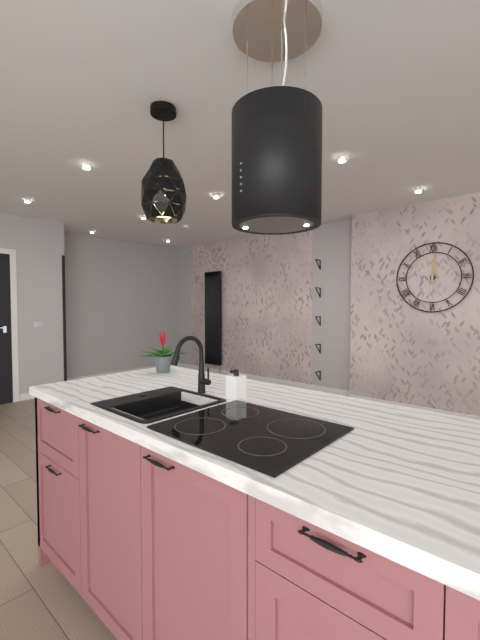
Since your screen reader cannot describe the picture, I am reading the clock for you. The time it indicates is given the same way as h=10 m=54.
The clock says h=12 m=1
